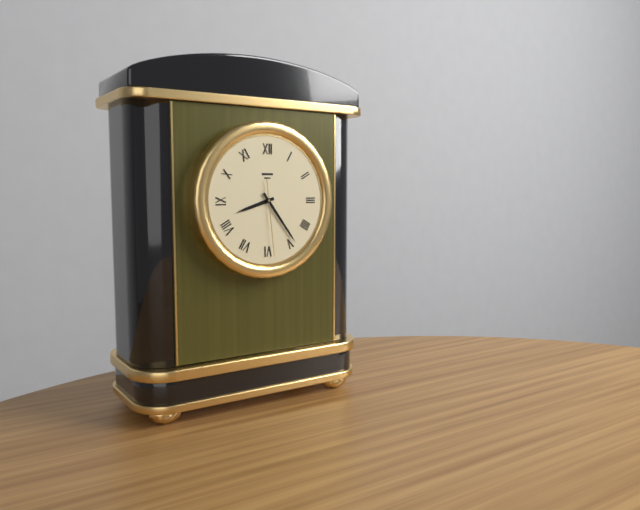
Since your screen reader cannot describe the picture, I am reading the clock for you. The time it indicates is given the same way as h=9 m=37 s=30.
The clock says h=8 m=24 s=29
